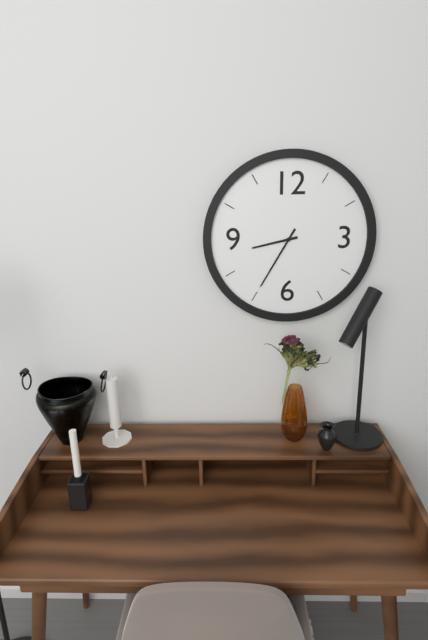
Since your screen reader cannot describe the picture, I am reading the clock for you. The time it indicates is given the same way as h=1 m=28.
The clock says h=8 m=35
